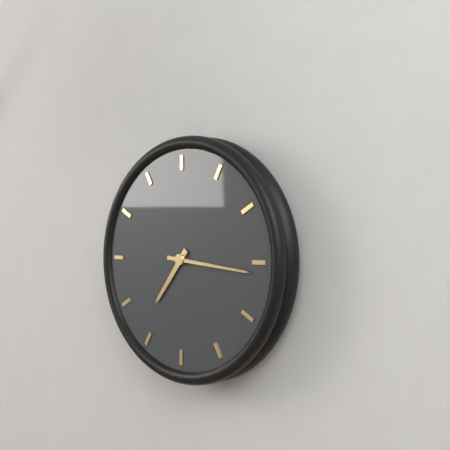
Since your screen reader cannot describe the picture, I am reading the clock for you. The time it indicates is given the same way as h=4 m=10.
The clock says h=7 m=16
